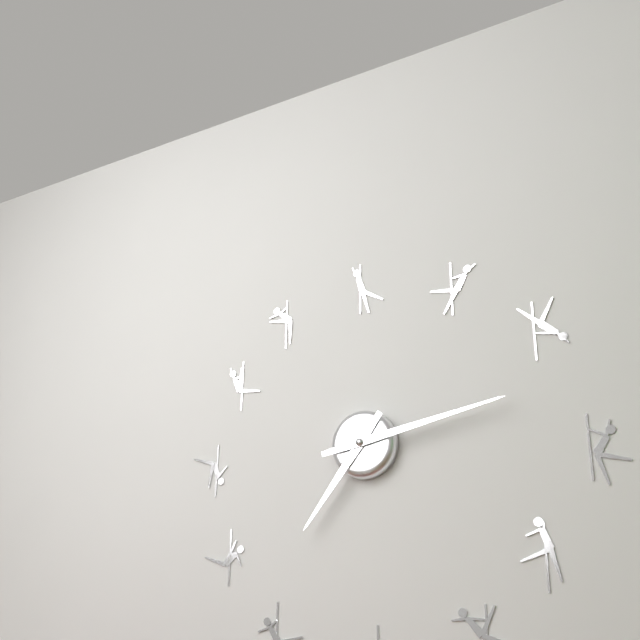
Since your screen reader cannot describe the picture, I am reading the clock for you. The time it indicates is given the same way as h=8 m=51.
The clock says h=7 m=13
